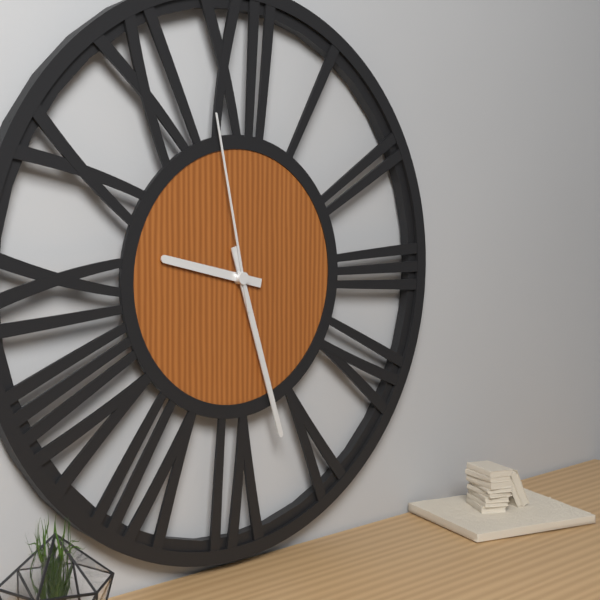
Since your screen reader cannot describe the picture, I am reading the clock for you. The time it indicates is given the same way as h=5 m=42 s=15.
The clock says h=9 m=27 s=58
